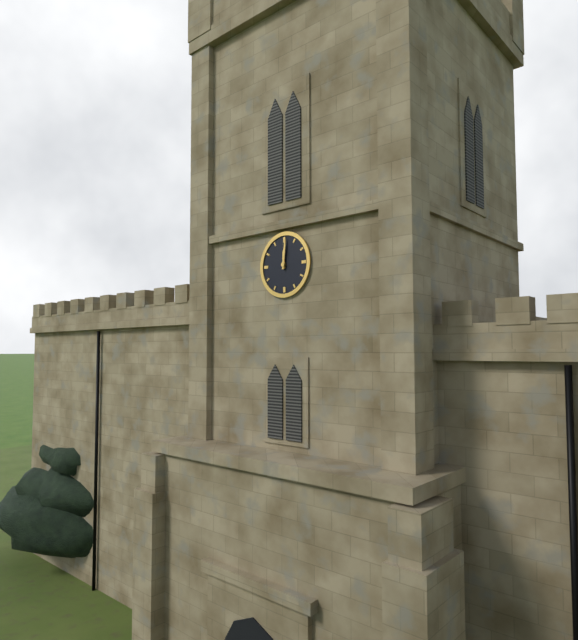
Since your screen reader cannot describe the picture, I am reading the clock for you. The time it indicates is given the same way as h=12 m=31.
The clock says h=12 m=1
